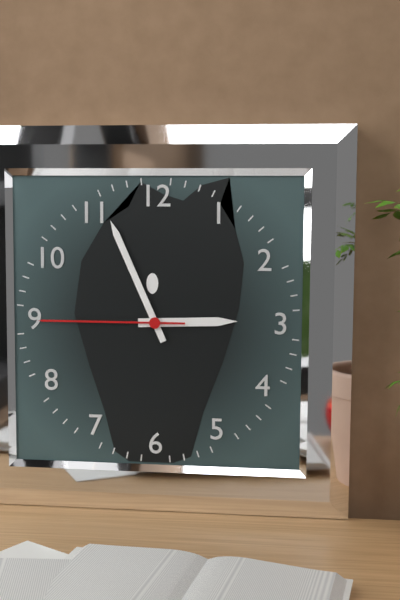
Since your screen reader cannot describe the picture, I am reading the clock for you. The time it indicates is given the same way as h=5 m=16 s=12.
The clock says h=2 m=56 s=45
